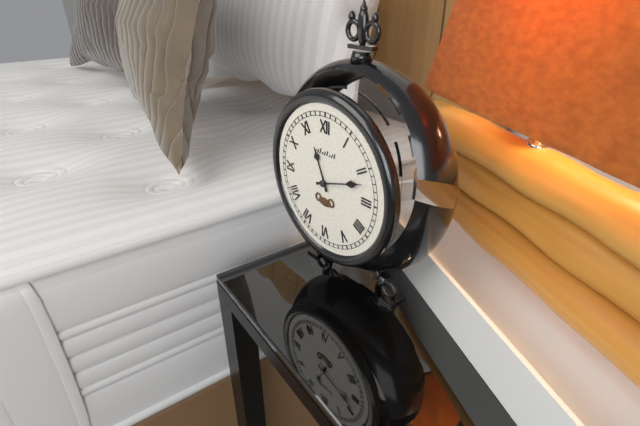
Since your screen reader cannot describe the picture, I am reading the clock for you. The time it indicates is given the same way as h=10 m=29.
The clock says h=11 m=12
